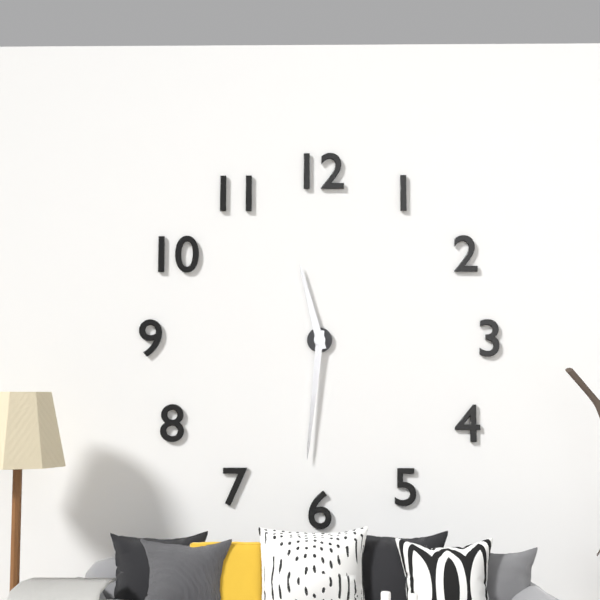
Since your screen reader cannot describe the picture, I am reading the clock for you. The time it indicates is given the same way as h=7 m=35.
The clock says h=11 m=31
